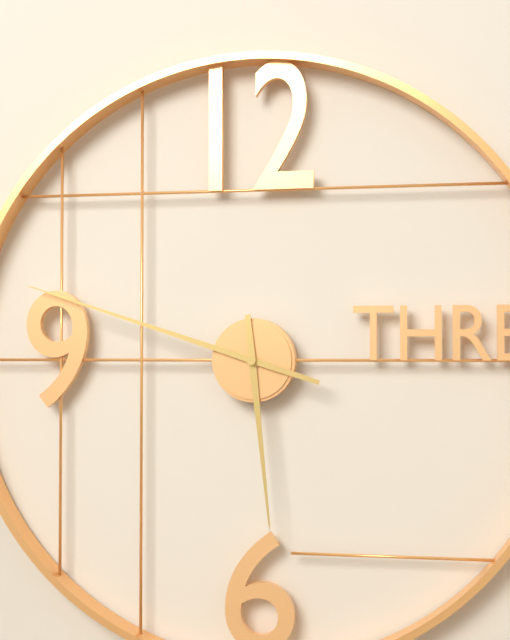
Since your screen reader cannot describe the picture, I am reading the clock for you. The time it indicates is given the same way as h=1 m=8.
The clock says h=5 m=48
